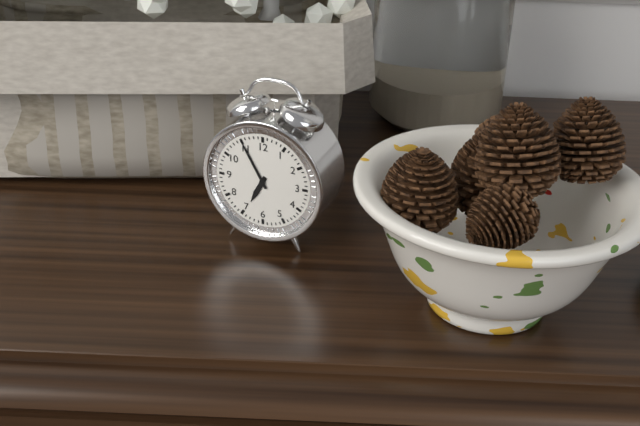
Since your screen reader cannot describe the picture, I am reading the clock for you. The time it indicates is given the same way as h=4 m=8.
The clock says h=6 m=55
